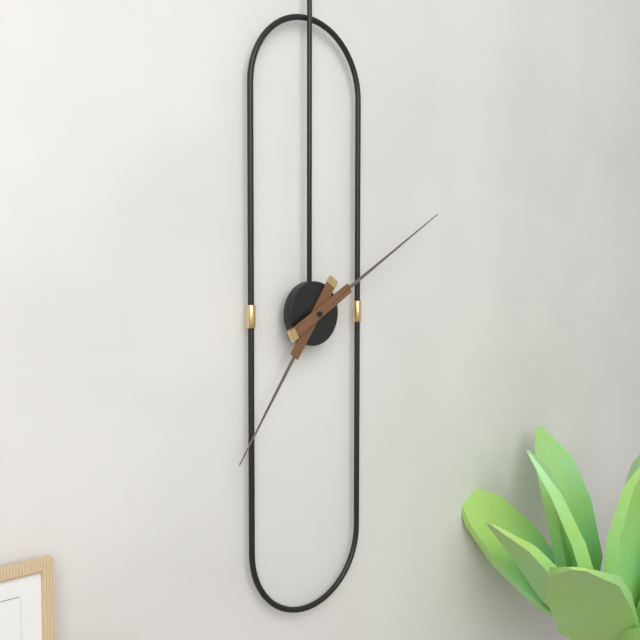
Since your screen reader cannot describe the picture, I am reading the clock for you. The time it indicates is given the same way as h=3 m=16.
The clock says h=7 m=10
